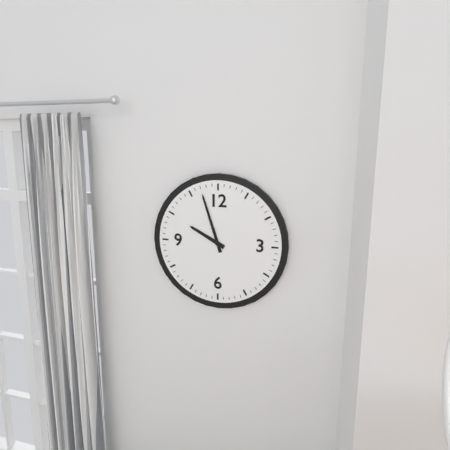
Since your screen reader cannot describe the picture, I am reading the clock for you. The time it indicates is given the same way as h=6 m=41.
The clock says h=9 m=57
